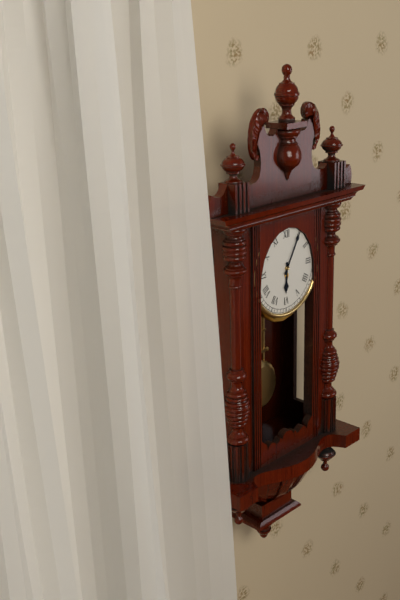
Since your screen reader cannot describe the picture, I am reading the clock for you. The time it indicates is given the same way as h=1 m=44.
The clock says h=6 m=5
